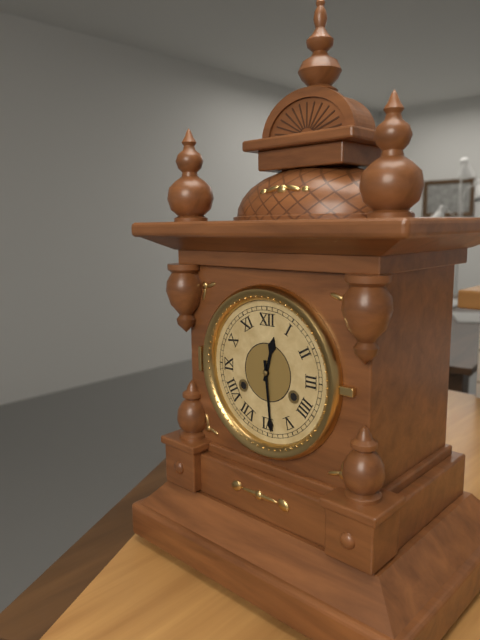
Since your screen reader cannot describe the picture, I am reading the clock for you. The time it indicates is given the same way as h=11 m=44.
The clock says h=12 m=29
